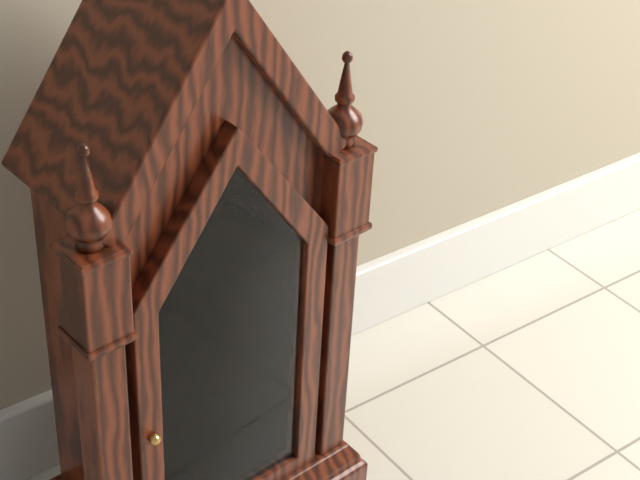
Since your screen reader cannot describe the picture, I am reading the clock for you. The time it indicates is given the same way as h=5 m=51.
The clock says h=11 m=12
